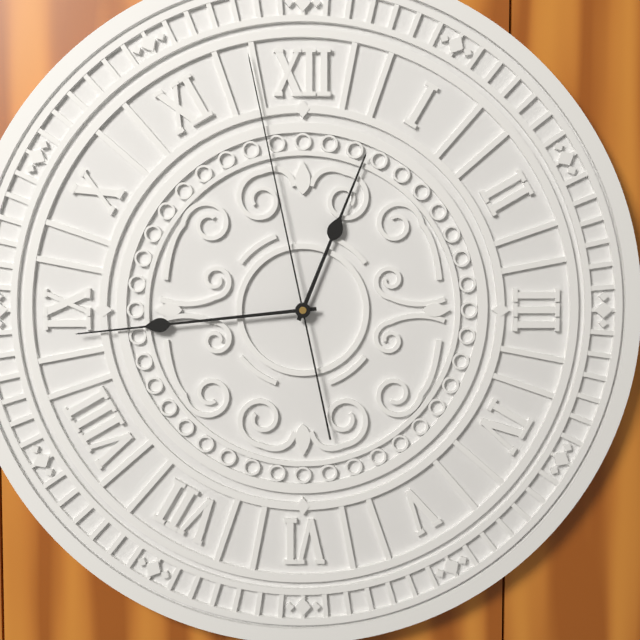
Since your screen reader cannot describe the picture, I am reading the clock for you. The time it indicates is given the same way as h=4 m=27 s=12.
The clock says h=12 m=44 s=58
